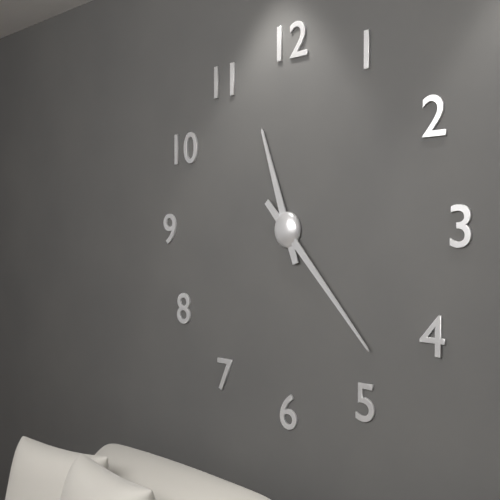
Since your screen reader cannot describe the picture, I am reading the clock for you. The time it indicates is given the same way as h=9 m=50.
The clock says h=11 m=23
